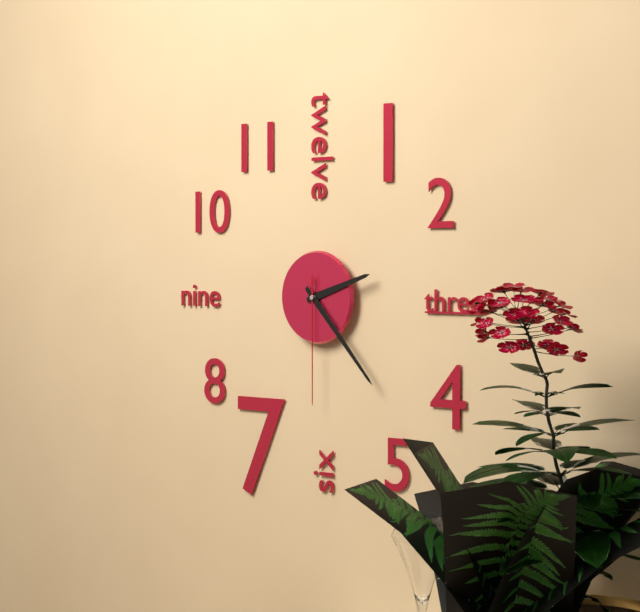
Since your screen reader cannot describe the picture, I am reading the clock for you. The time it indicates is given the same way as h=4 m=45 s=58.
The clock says h=2 m=23 s=30
